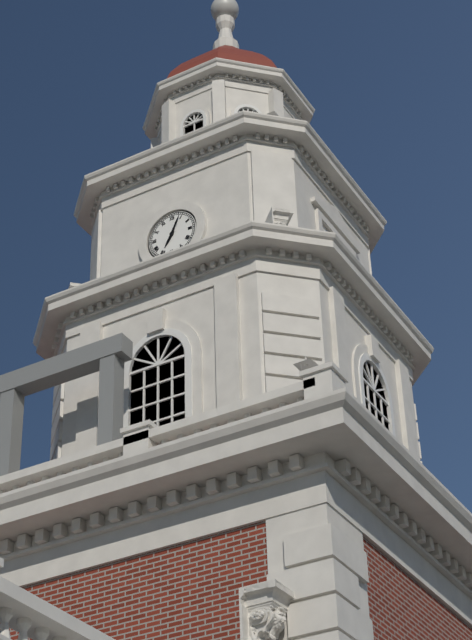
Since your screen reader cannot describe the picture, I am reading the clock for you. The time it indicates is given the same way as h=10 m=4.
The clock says h=7 m=4
